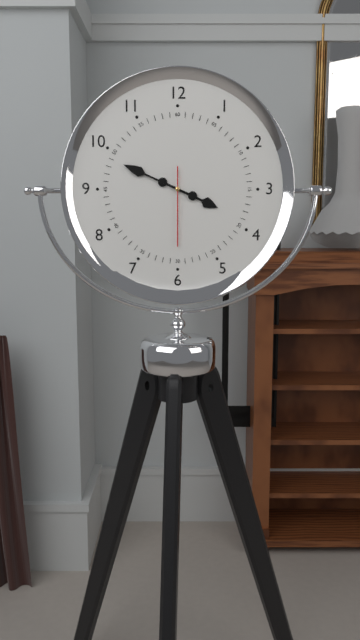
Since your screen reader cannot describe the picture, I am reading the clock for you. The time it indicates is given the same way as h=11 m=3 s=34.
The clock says h=3 m=49 s=30
